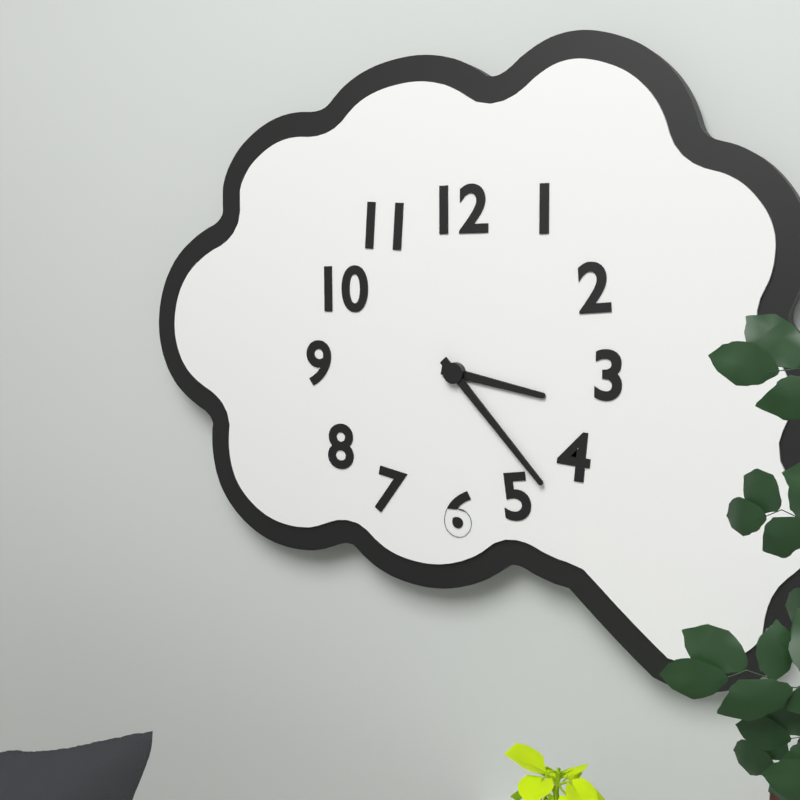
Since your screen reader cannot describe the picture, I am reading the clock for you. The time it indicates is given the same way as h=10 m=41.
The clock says h=3 m=23
